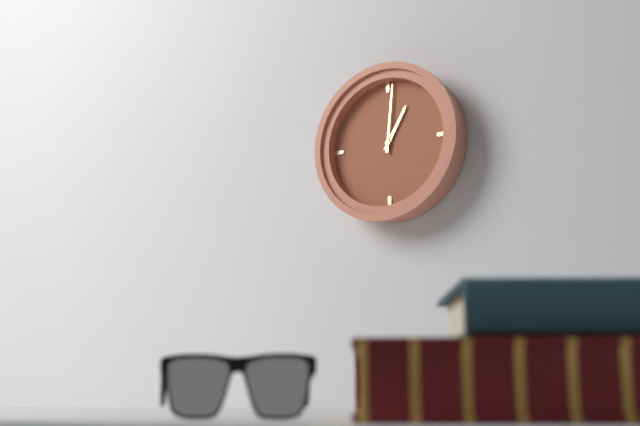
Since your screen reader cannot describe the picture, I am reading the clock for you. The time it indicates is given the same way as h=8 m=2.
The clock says h=1 m=1
